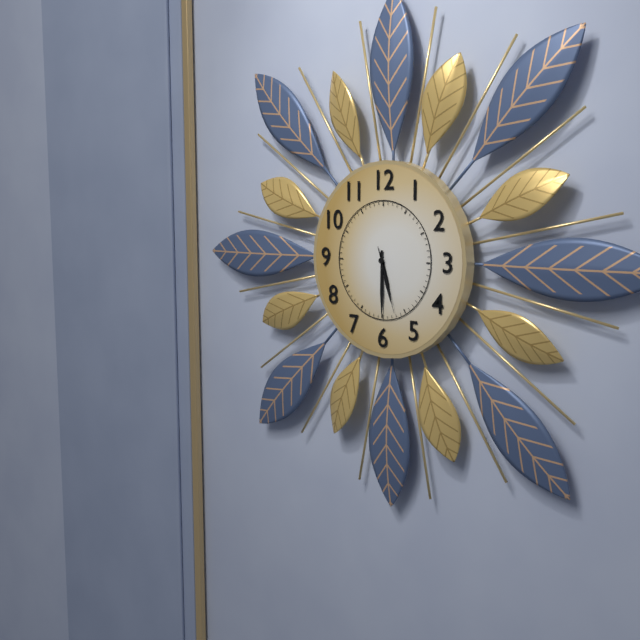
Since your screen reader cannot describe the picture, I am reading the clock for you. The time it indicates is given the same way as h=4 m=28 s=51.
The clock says h=5 m=30 s=27
